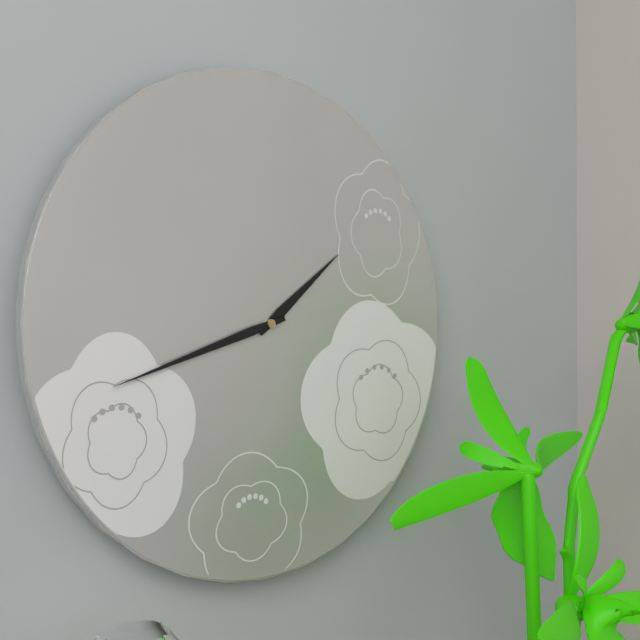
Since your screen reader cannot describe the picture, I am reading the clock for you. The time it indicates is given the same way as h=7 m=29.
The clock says h=1 m=42
